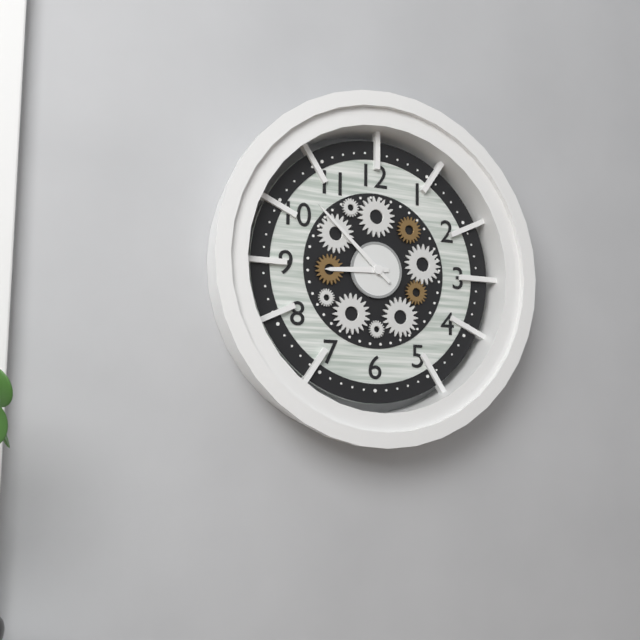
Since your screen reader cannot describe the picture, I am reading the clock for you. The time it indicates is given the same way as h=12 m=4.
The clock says h=8 m=52
